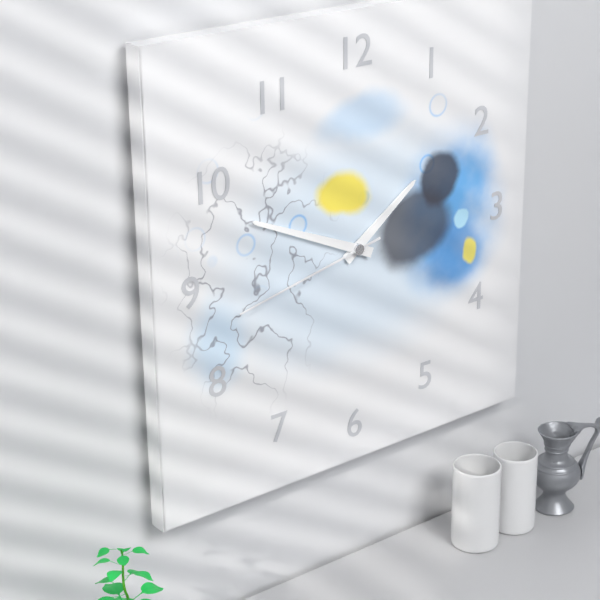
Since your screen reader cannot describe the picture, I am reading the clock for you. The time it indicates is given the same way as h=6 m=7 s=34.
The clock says h=1 m=49 s=43
